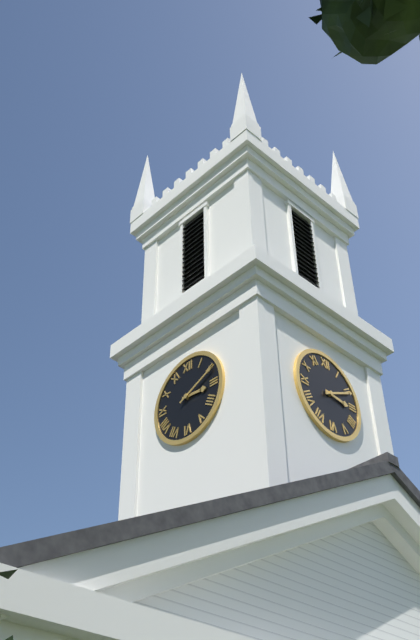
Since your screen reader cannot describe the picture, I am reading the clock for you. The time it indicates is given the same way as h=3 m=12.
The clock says h=3 m=11
